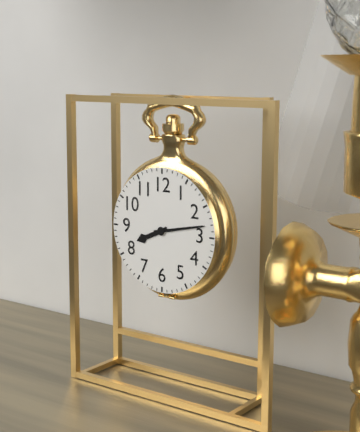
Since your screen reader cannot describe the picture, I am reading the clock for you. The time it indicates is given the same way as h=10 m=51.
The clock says h=8 m=13
